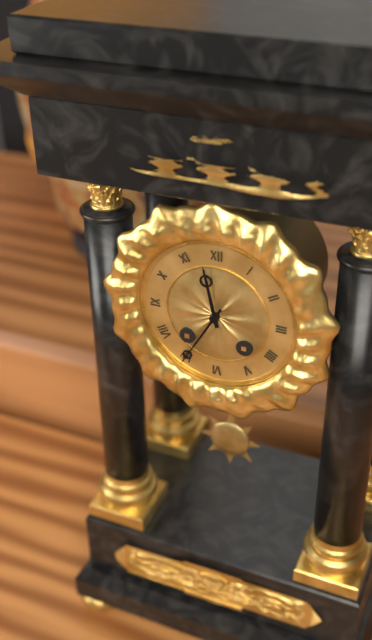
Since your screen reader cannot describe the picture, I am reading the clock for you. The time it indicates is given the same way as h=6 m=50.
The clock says h=11 m=35
